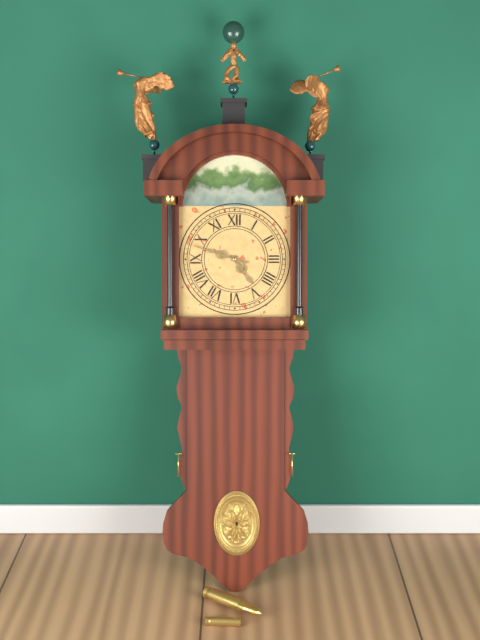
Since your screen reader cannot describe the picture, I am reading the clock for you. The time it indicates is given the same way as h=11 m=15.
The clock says h=4 m=48
